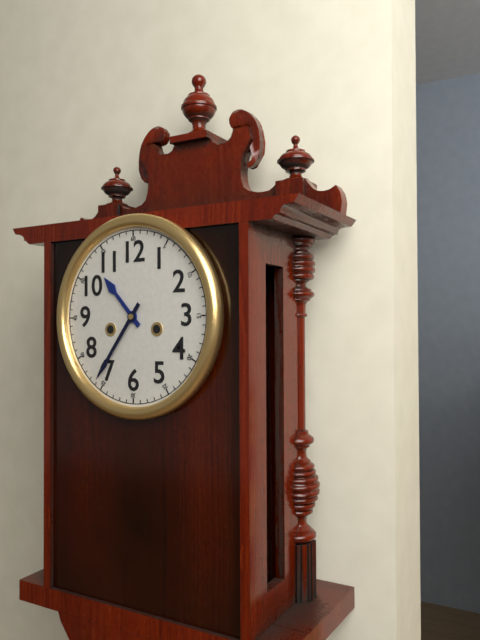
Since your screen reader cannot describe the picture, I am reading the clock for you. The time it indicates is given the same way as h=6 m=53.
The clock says h=10 m=36
